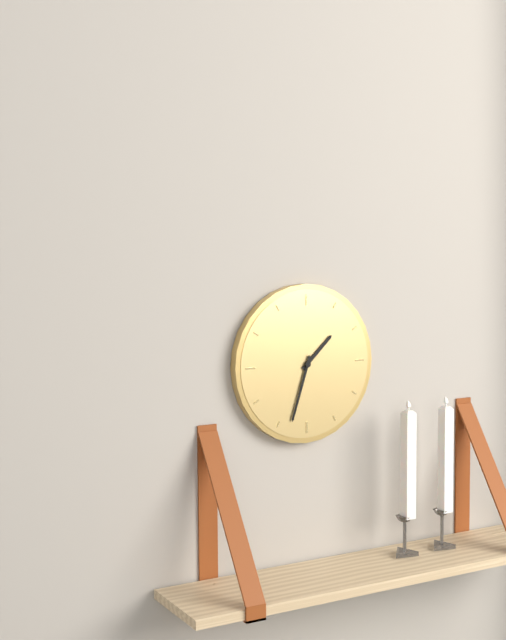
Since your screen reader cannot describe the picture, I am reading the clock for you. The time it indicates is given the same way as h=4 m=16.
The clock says h=1 m=33
